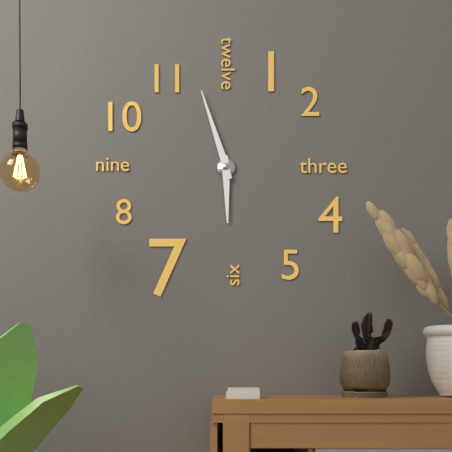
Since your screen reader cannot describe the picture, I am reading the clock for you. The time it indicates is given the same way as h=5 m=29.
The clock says h=5 m=57
